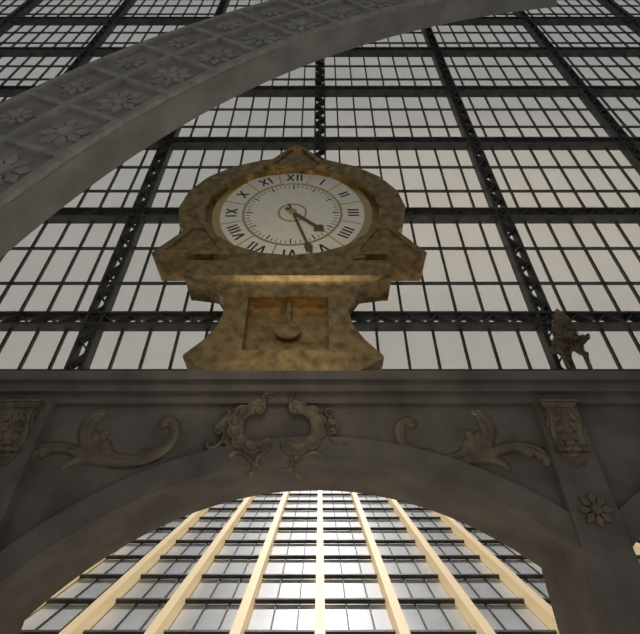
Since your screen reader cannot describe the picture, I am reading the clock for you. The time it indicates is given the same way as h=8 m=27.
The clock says h=4 m=27
